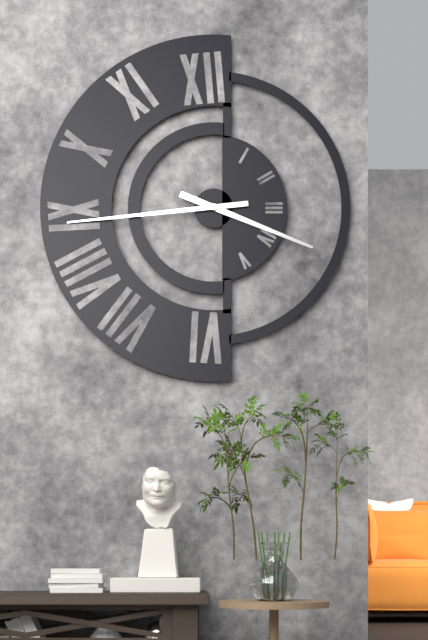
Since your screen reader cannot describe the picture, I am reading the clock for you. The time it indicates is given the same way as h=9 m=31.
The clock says h=3 m=44
